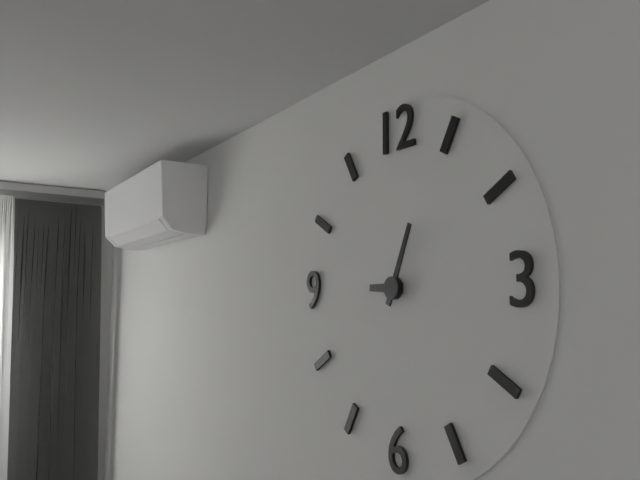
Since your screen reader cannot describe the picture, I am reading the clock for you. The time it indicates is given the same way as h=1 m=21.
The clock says h=9 m=4
